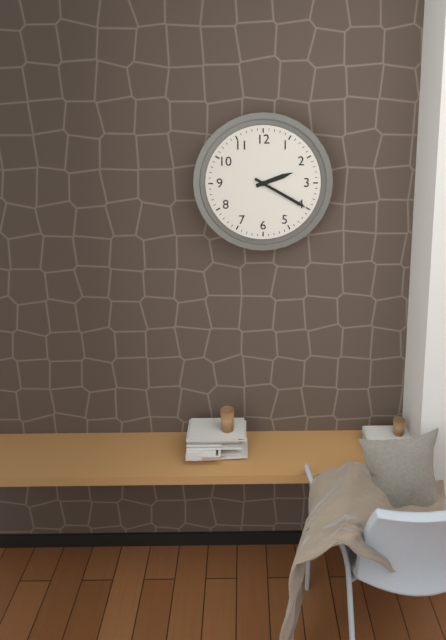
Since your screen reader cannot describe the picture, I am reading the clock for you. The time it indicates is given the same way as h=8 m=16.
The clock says h=2 m=20
